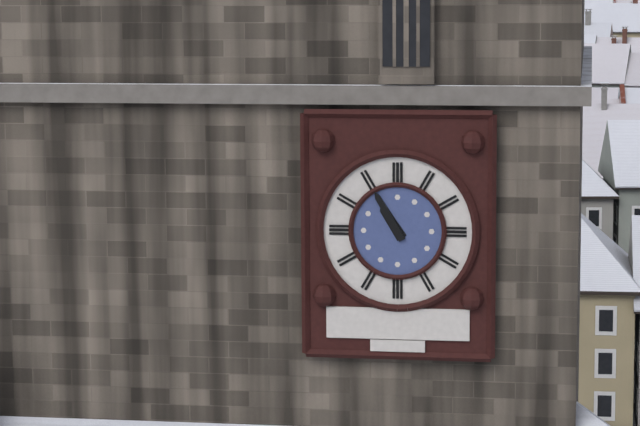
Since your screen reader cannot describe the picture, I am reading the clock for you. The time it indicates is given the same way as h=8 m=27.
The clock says h=10 m=55
